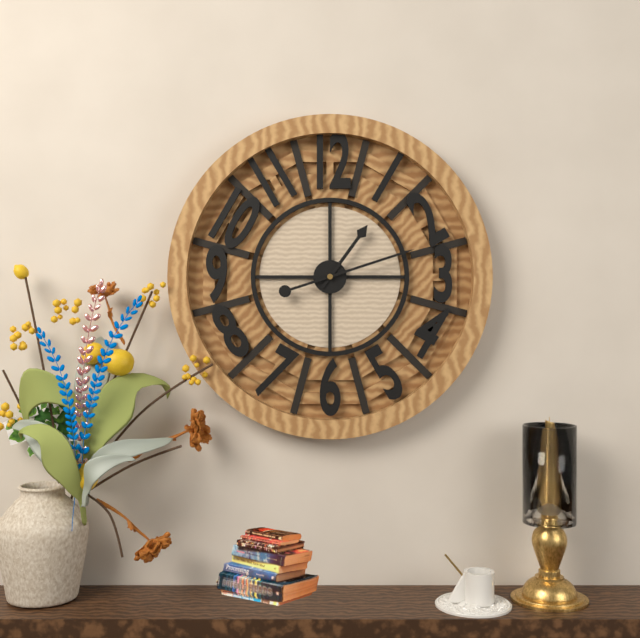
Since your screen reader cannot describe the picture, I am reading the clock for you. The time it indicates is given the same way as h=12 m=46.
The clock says h=1 m=12
